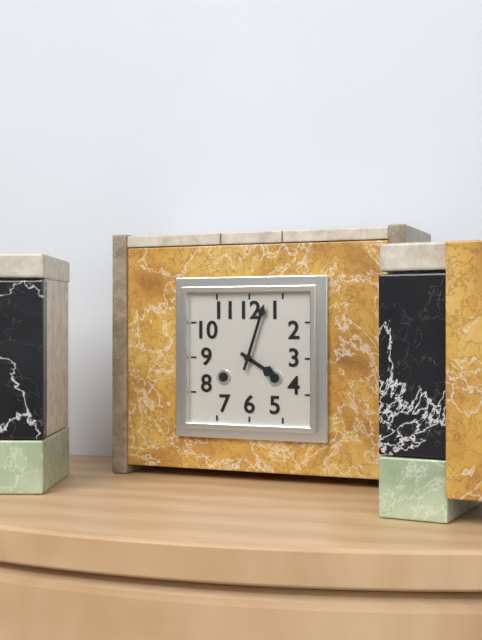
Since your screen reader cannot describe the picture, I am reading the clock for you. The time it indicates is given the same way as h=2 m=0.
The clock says h=4 m=3
